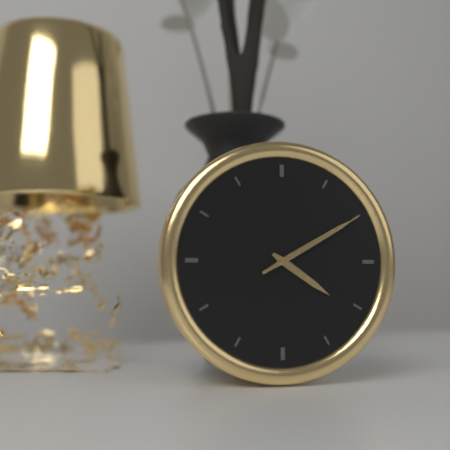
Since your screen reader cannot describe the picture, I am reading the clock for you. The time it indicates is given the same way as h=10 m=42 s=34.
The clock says h=4 m=10 s=10
